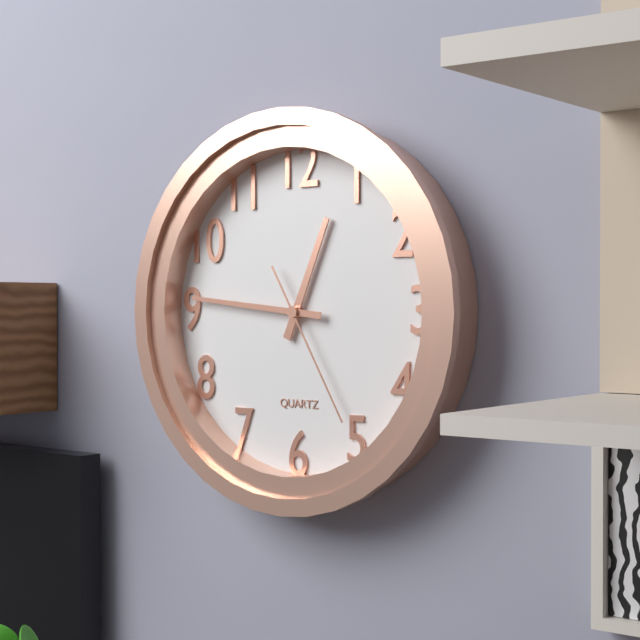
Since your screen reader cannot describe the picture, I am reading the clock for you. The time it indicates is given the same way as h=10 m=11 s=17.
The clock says h=12 m=46 s=25
